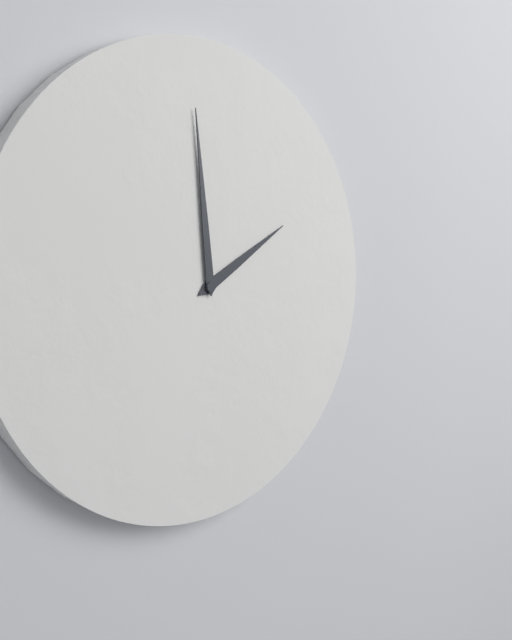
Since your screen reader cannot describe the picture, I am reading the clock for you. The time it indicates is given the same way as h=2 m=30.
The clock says h=1 m=59
